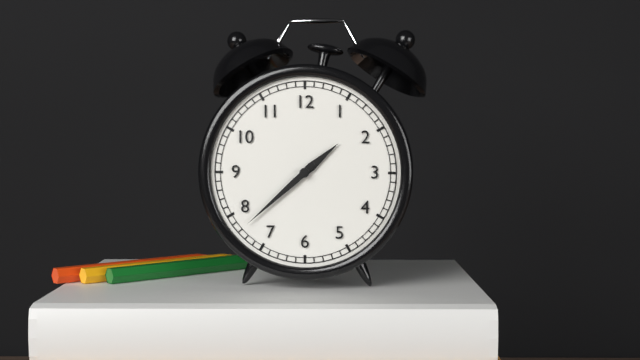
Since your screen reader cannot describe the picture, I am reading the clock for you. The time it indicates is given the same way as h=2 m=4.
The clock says h=1 m=38
